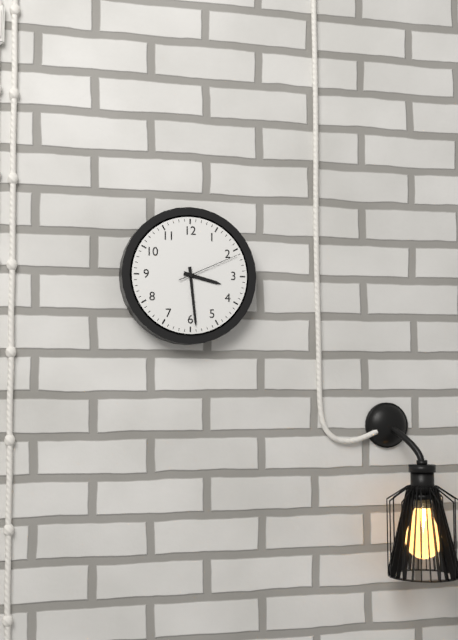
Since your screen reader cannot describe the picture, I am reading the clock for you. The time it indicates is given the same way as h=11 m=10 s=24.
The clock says h=3 m=29 s=11
